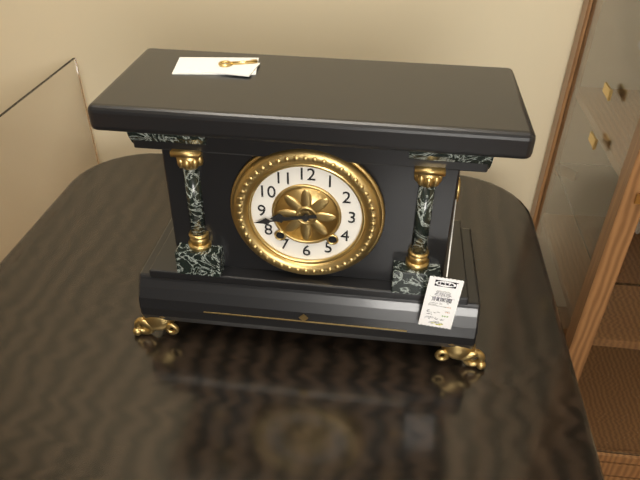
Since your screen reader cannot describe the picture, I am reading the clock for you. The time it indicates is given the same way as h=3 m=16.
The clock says h=8 m=43
